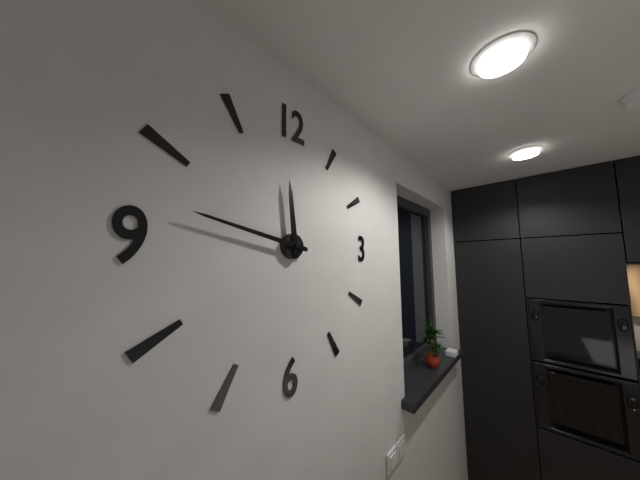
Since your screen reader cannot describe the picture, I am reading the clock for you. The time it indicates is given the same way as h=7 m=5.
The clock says h=11 m=47
